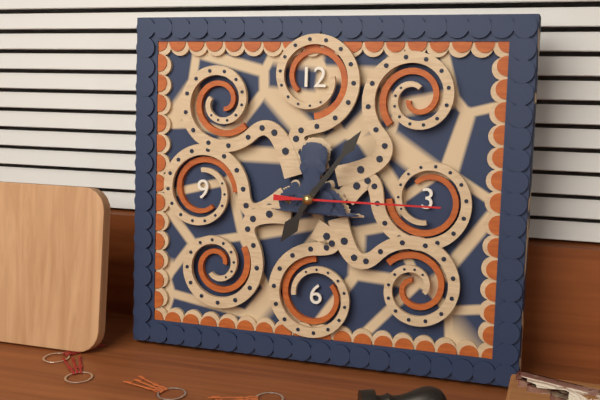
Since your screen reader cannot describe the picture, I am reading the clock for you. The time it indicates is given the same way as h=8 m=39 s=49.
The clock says h=7 m=6 s=15
